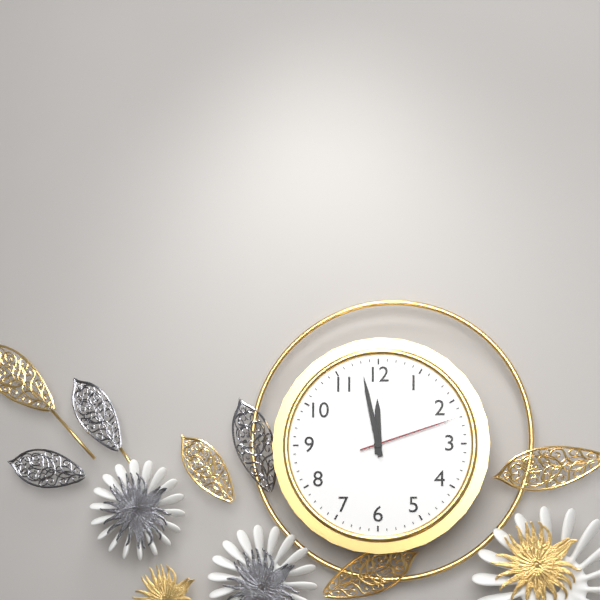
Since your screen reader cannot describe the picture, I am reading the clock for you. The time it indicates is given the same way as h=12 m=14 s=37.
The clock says h=11 m=58 s=12
